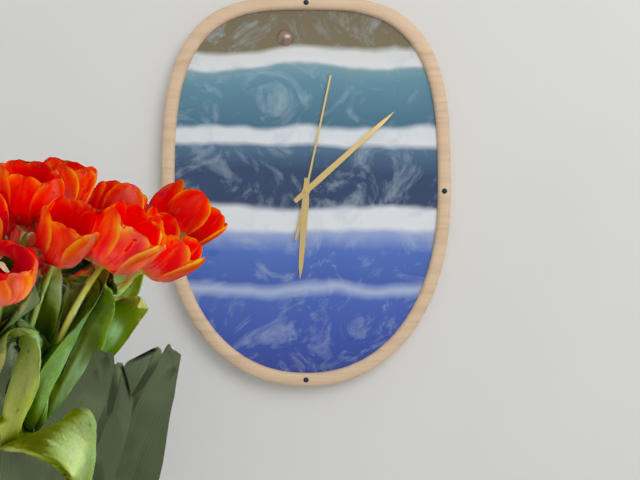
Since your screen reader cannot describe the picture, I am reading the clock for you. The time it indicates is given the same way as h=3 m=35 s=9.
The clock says h=6 m=8 s=2
